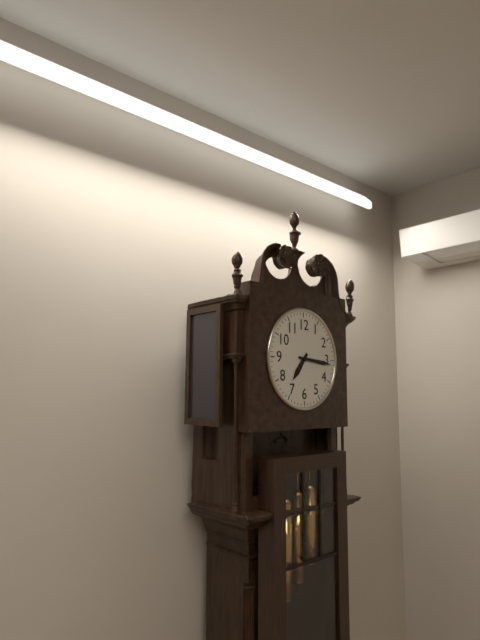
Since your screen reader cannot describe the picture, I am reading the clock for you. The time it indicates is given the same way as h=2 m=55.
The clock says h=7 m=16
